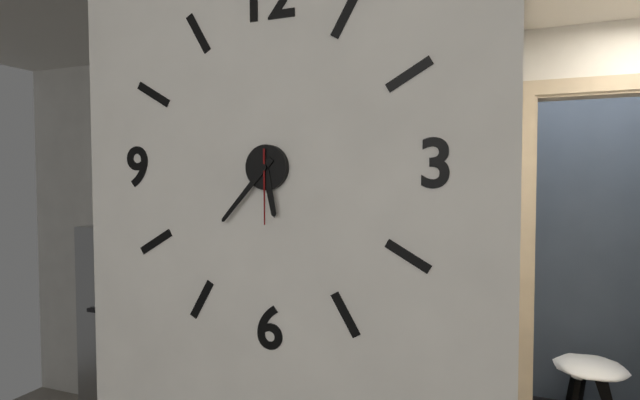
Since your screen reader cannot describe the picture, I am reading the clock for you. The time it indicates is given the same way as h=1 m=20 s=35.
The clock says h=5 m=37 s=30
